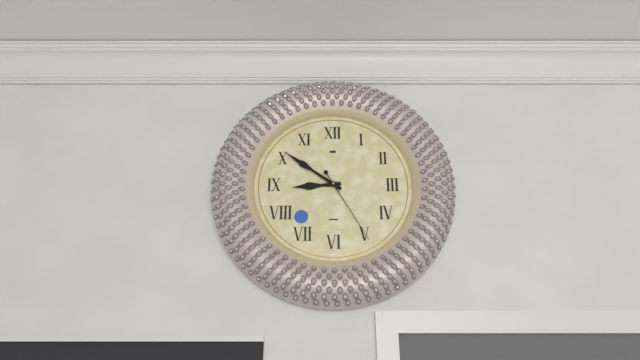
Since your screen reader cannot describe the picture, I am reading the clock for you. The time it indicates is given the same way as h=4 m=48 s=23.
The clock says h=8 m=51 s=25
